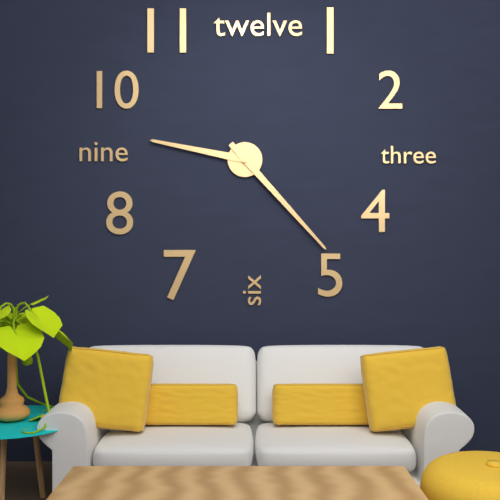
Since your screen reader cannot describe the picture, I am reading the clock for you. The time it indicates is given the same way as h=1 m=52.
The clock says h=9 m=23
